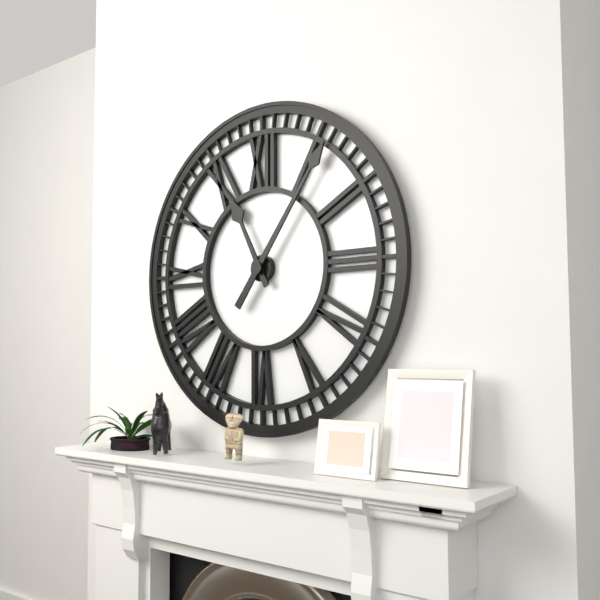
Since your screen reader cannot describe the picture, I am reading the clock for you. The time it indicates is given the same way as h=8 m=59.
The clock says h=11 m=6
